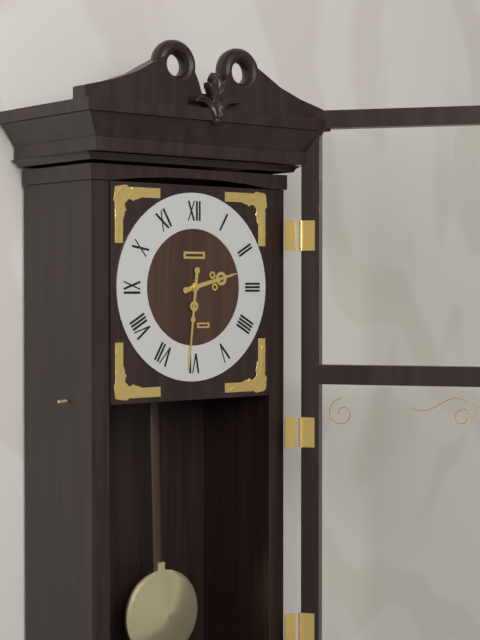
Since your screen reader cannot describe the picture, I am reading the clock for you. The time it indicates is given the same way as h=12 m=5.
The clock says h=2 m=31
